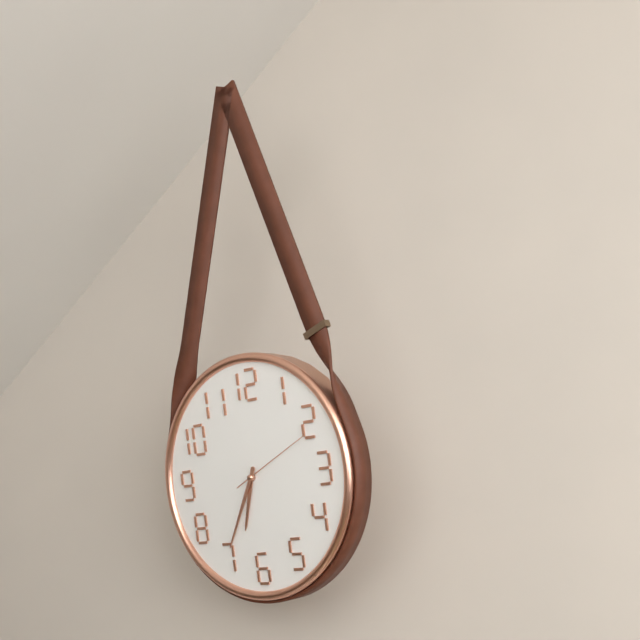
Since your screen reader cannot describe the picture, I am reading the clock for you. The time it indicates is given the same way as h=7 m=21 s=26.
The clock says h=6 m=35 s=11
